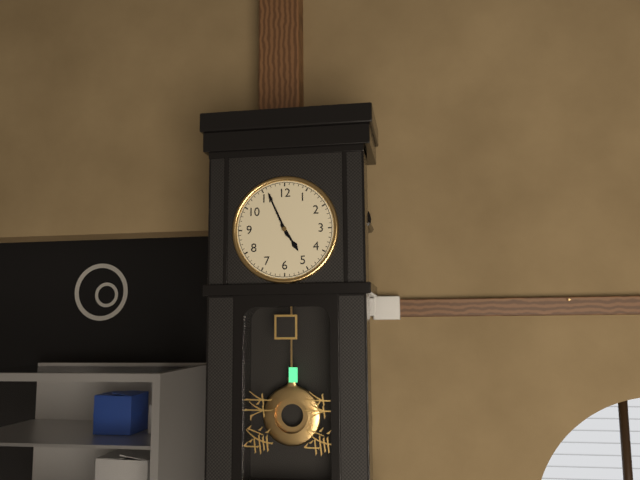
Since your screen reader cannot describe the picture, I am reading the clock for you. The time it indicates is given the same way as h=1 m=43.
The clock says h=4 m=56
